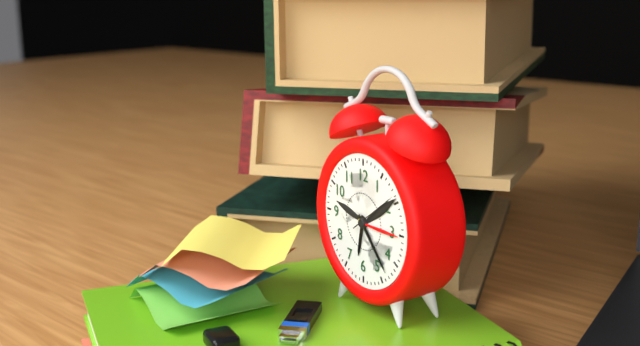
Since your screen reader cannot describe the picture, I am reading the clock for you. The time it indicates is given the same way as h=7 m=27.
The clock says h=6 m=23
